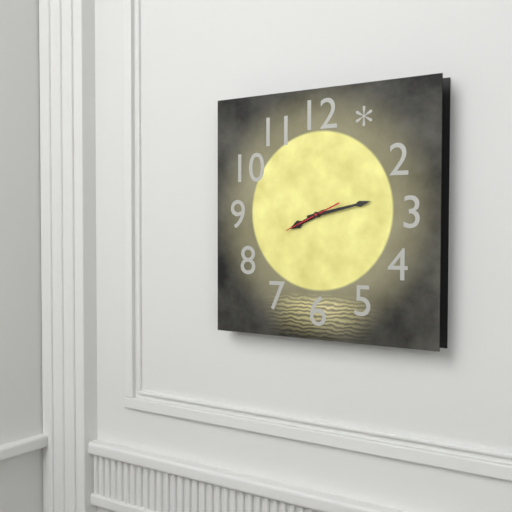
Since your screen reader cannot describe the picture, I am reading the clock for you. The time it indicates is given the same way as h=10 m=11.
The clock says h=8 m=13
